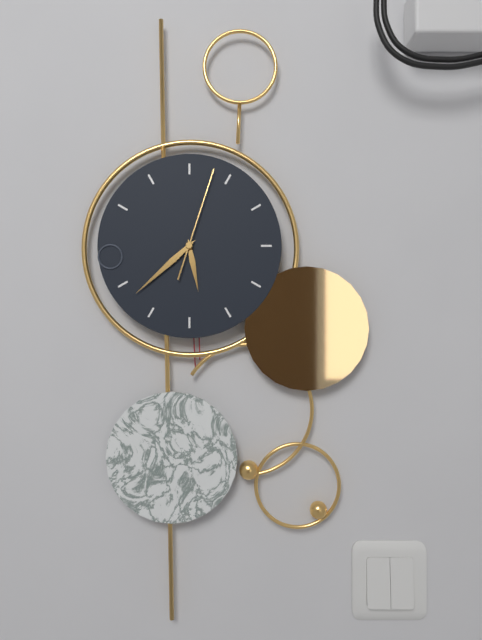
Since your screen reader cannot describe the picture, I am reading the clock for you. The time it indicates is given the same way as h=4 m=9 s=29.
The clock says h=5 m=38 s=3
